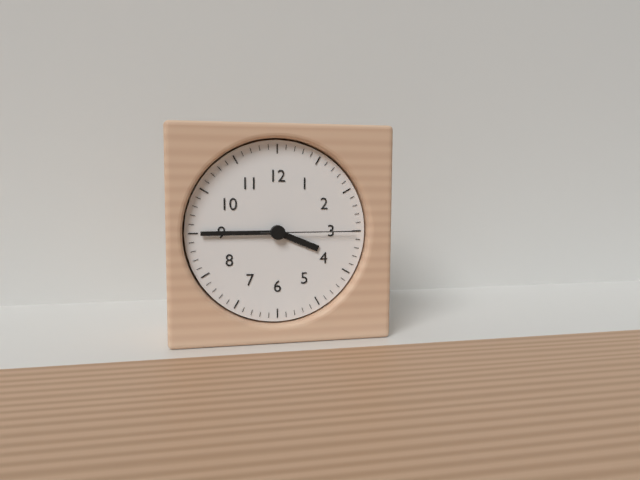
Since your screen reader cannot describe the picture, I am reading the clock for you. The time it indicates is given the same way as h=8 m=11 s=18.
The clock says h=3 m=45 s=15
